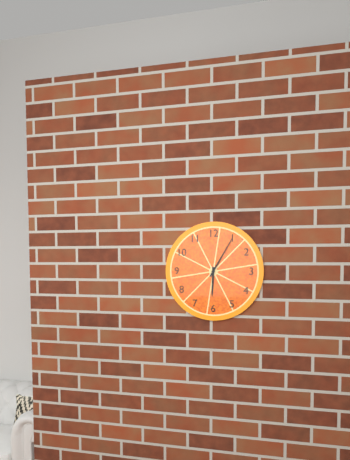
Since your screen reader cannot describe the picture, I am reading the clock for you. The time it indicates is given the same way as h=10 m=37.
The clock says h=6 m=5
